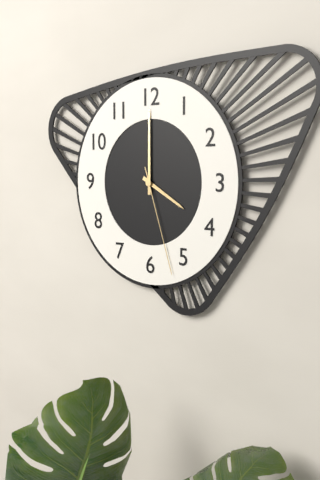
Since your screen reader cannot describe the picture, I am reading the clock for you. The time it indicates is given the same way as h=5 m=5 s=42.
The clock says h=4 m=0 s=27
